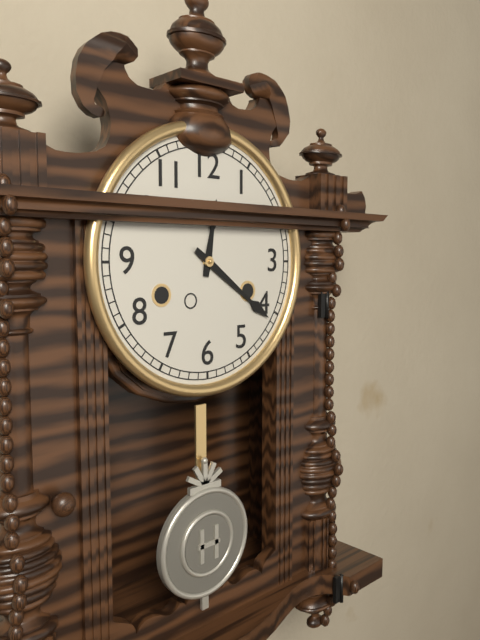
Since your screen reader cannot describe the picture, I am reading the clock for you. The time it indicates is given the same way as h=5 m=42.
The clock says h=12 m=21
